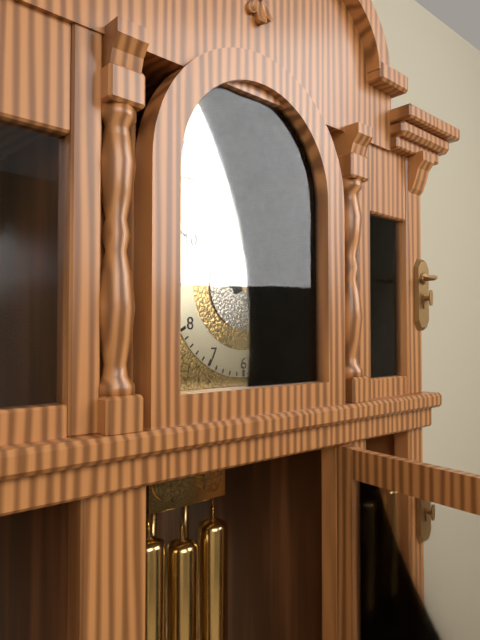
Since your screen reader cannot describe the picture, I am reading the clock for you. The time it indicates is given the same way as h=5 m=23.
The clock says h=2 m=15
